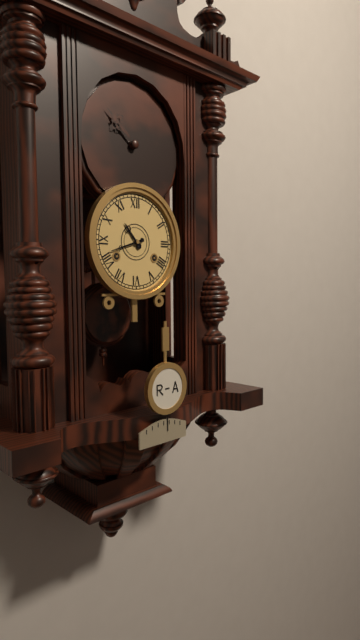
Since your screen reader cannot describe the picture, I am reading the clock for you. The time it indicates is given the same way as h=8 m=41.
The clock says h=10 m=42
